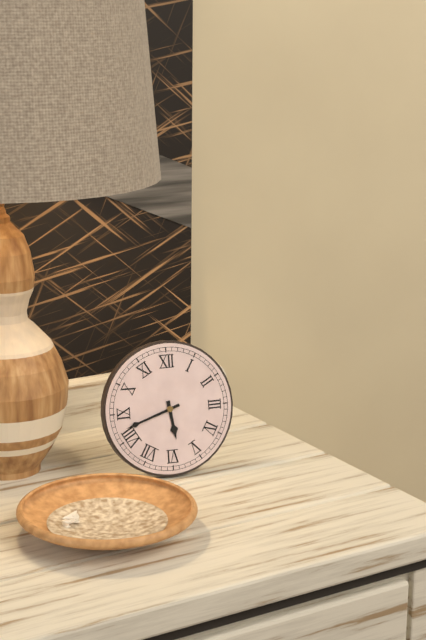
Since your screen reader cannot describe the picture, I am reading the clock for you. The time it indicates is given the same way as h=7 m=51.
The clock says h=5 m=42
